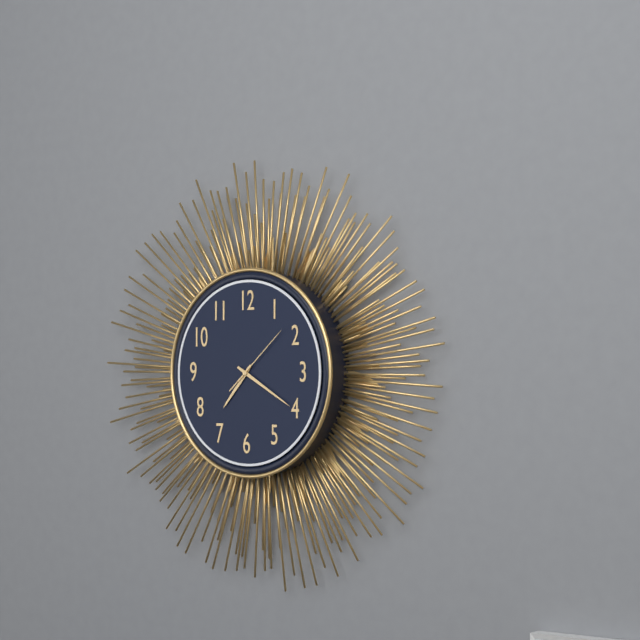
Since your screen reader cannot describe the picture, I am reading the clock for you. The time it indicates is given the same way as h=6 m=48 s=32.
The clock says h=7 m=20 s=8
